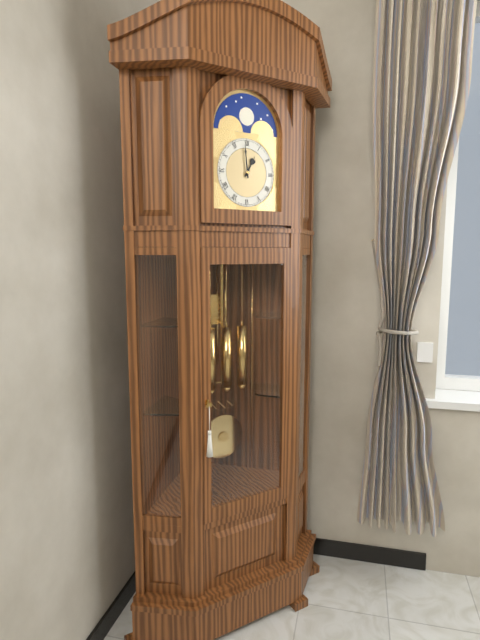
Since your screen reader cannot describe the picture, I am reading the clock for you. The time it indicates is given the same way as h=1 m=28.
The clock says h=12 m=59
